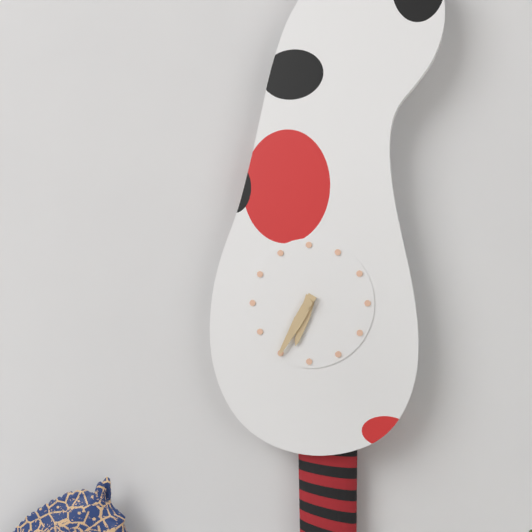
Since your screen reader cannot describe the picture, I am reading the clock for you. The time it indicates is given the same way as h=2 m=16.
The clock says h=6 m=35
